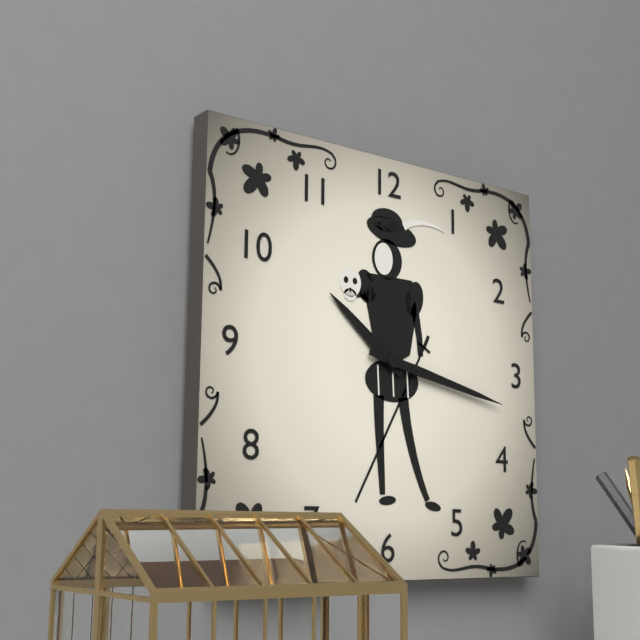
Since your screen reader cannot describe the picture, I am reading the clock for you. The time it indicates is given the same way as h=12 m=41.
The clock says h=10 m=17
